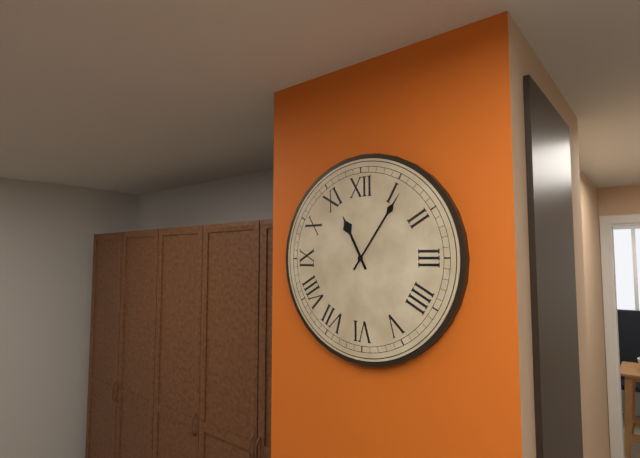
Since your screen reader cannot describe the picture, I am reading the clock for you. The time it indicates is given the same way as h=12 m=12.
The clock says h=11 m=6
